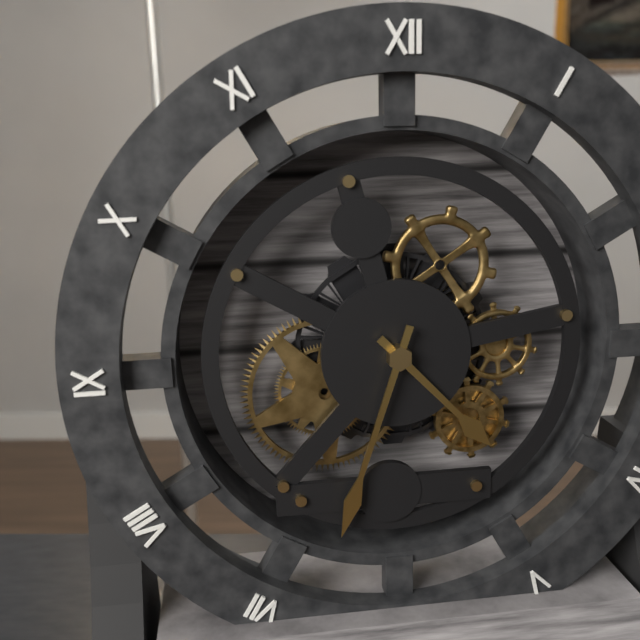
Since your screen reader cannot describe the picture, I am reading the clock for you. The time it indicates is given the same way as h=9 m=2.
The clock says h=4 m=33
